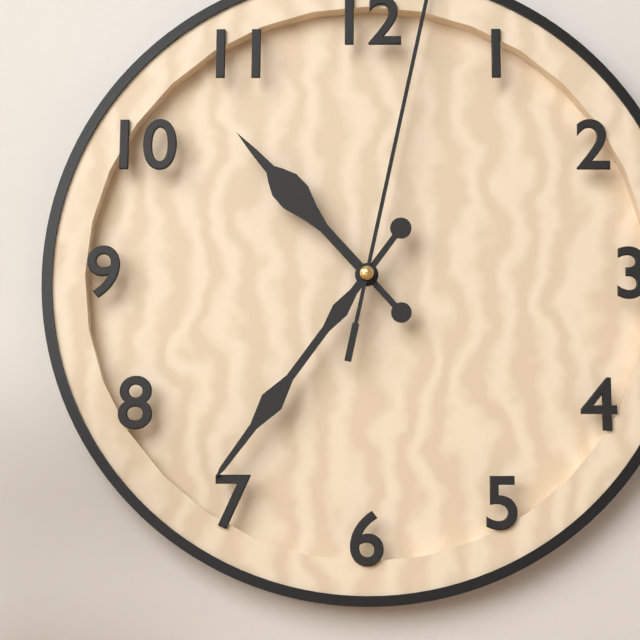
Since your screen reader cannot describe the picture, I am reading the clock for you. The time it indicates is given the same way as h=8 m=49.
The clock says h=10 m=36
